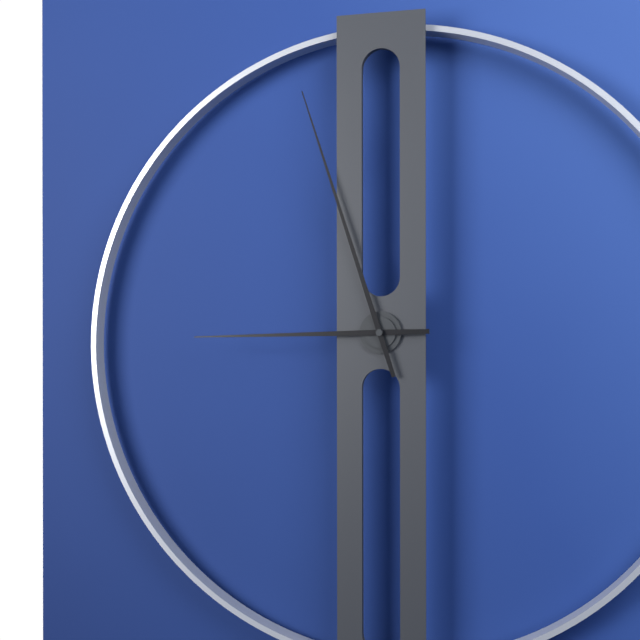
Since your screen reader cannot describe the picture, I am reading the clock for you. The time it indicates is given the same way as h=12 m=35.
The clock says h=8 m=57
